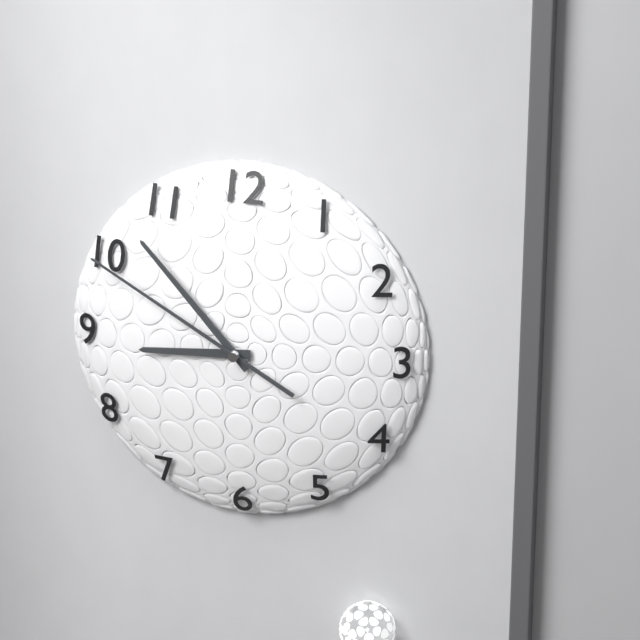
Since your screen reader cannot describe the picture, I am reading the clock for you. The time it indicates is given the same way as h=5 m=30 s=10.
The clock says h=8 m=53 s=50
